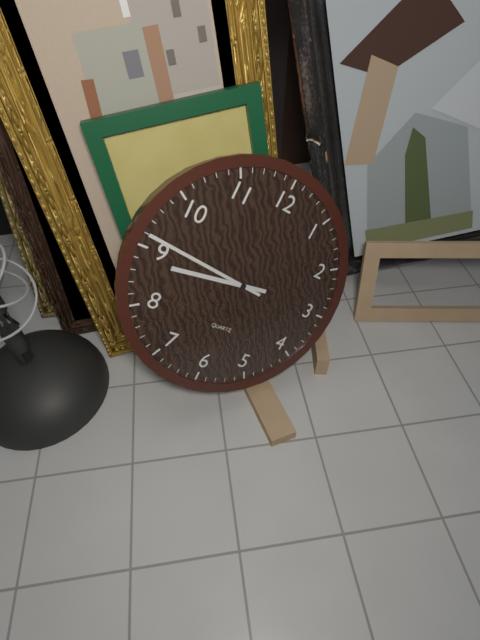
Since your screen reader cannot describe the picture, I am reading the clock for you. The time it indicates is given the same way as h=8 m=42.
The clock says h=8 m=46
